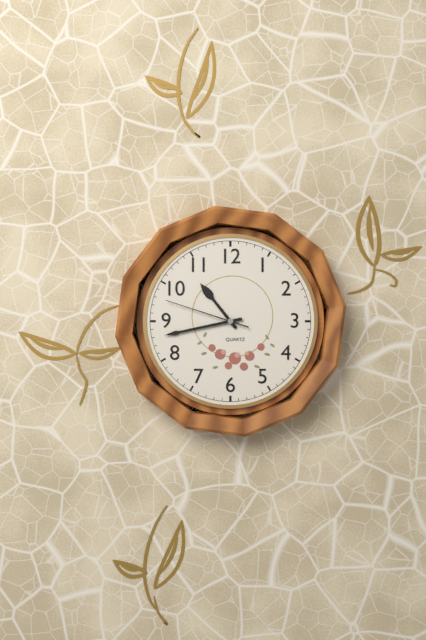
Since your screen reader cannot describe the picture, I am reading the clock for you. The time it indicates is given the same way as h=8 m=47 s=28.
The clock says h=10 m=43 s=48
